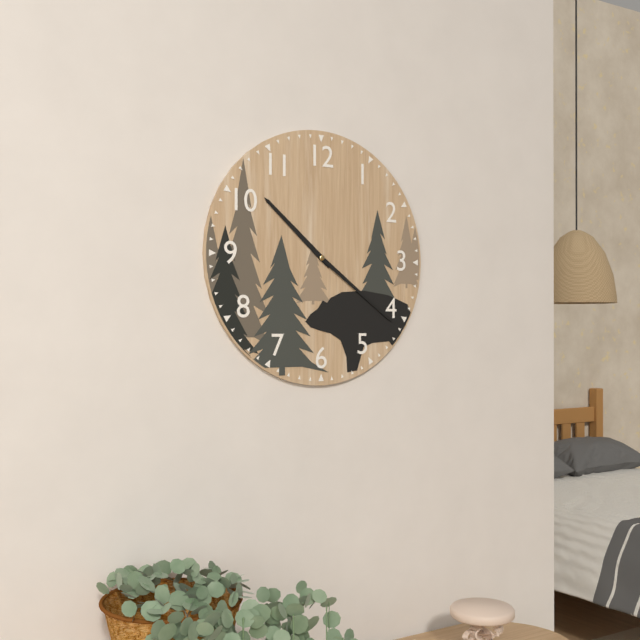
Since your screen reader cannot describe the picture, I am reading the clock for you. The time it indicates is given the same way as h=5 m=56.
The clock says h=10 m=21
